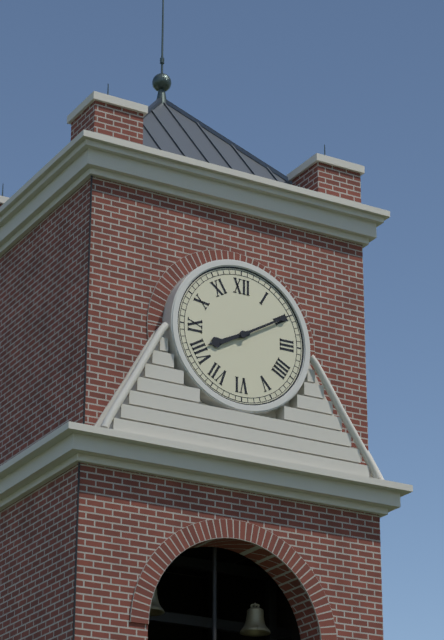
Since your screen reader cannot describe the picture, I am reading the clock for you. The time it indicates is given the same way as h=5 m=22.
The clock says h=8 m=10
